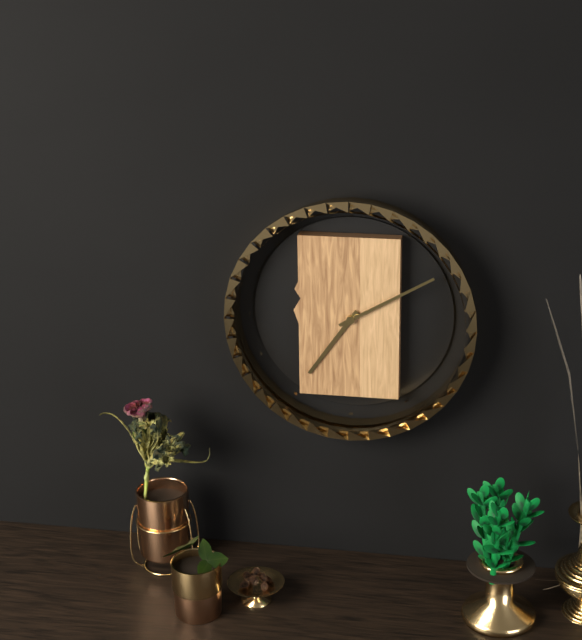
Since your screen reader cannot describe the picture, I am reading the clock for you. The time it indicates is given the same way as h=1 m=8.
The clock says h=7 m=10
